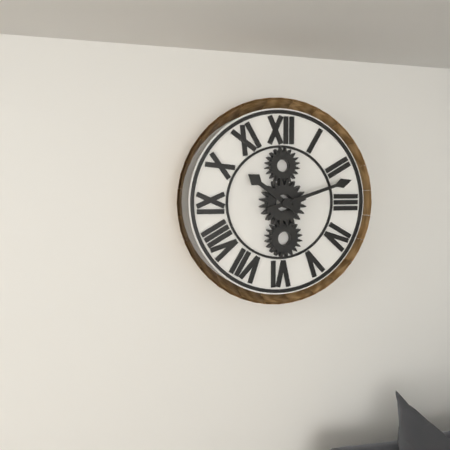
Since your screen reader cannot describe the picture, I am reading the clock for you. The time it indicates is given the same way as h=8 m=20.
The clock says h=10 m=12
